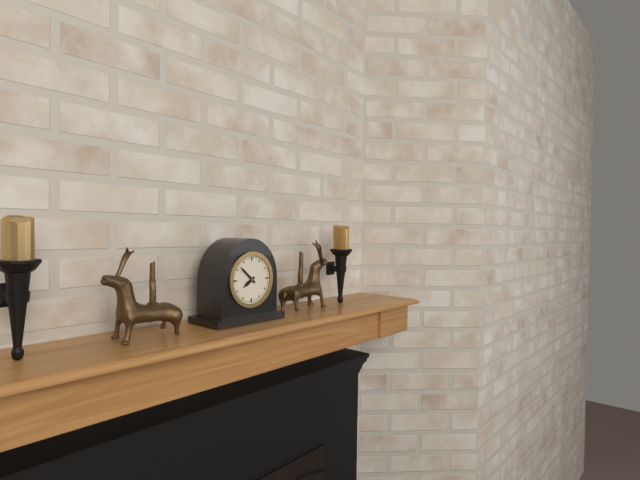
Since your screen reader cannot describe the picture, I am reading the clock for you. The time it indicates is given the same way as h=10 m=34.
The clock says h=7 m=52
